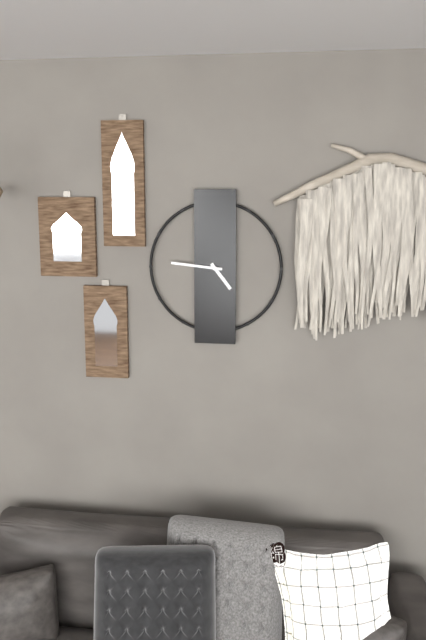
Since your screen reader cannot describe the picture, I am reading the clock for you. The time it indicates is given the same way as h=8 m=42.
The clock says h=4 m=46
